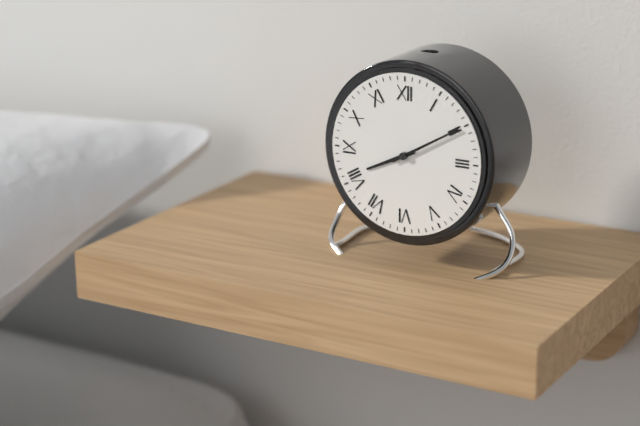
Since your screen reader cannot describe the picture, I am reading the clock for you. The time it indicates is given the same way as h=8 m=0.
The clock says h=8 m=10
